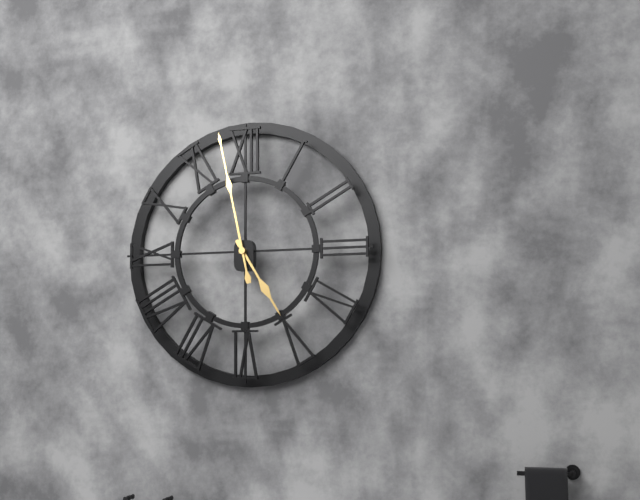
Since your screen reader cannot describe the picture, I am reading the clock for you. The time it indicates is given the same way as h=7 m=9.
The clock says h=4 m=58
